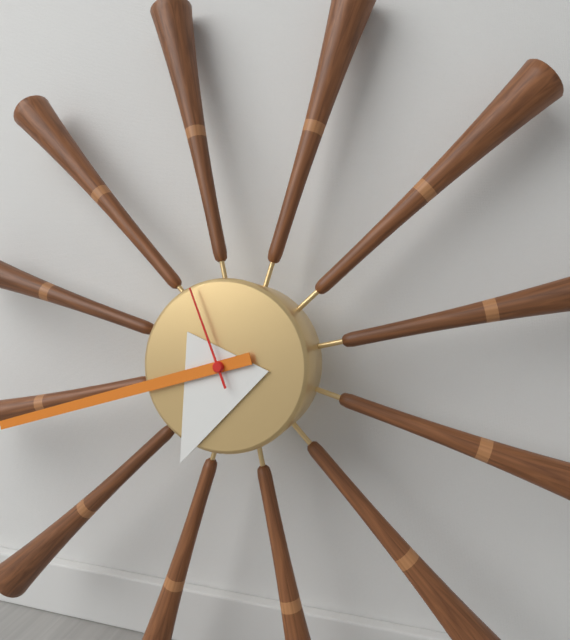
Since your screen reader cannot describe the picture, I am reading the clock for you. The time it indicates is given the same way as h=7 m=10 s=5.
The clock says h=6 m=42 s=56
